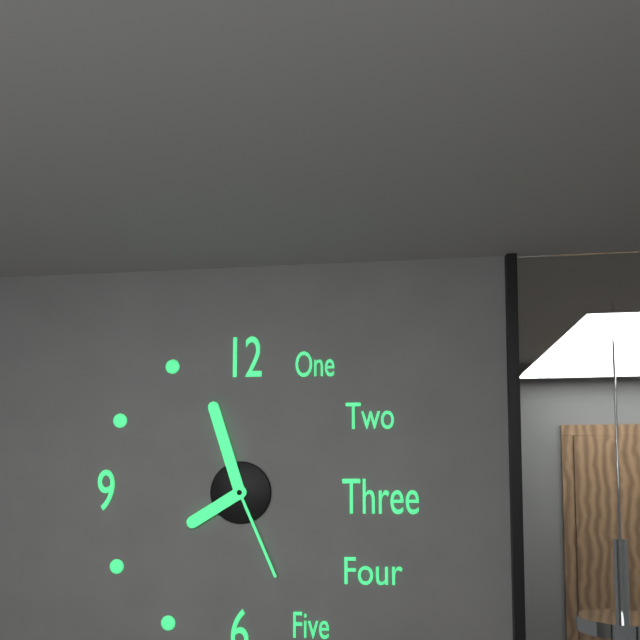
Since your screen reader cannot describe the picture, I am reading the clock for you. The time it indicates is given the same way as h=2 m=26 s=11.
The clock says h=7 m=57 s=26
